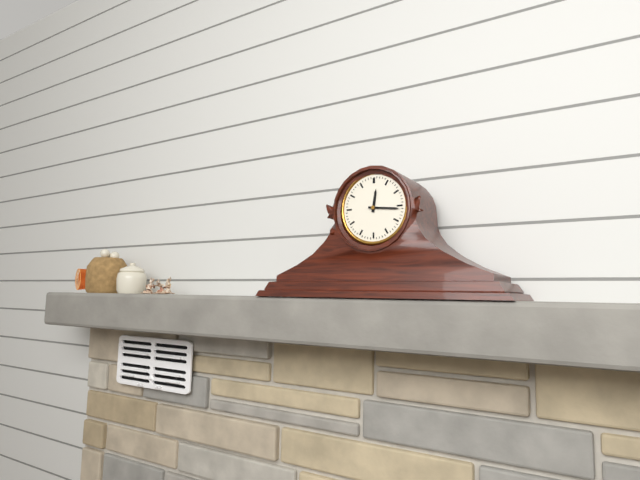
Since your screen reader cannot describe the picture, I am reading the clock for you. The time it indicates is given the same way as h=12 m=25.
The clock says h=12 m=16
